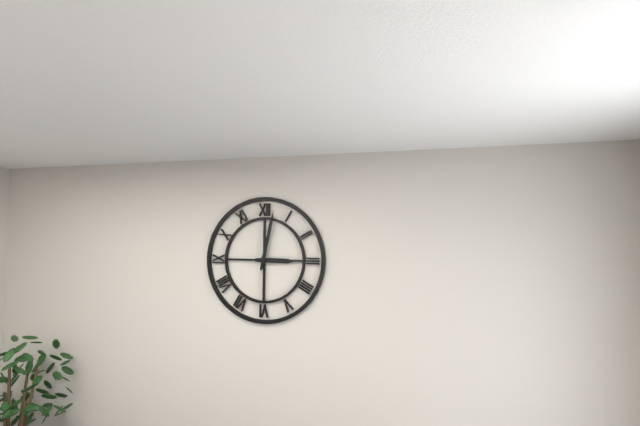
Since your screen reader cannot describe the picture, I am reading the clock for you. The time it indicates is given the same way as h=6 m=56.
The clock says h=3 m=2
